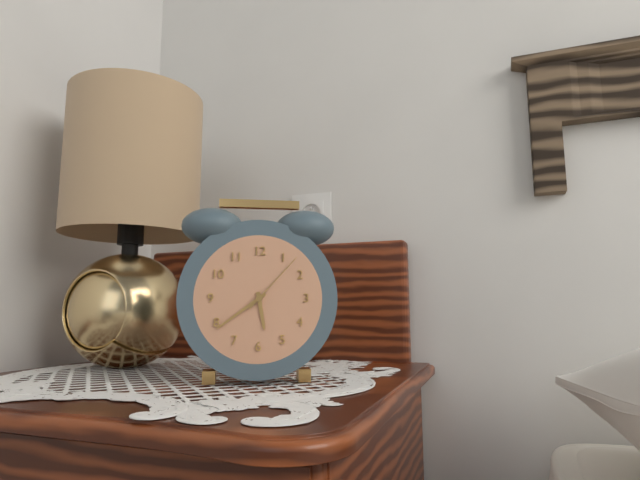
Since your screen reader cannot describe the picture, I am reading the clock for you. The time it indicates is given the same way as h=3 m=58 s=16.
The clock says h=5 m=39 s=7
